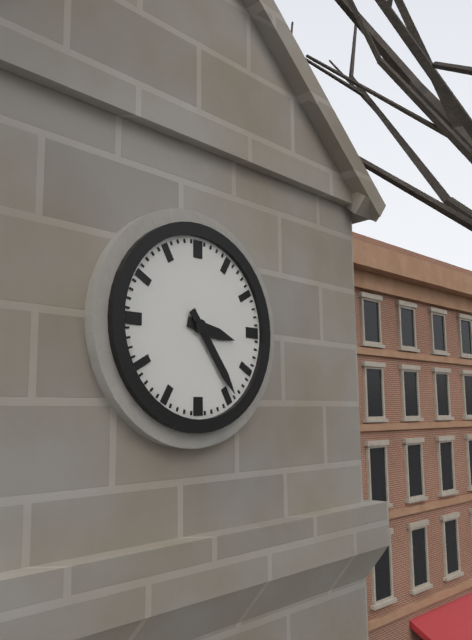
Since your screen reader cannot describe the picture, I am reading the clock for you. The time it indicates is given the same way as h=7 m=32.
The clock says h=3 m=24
